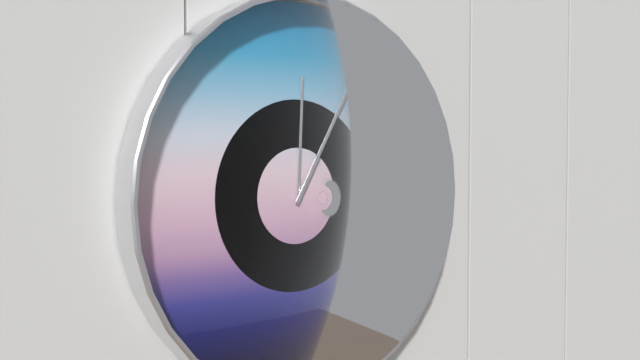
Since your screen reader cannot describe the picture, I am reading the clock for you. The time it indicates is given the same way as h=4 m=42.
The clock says h=12 m=5
